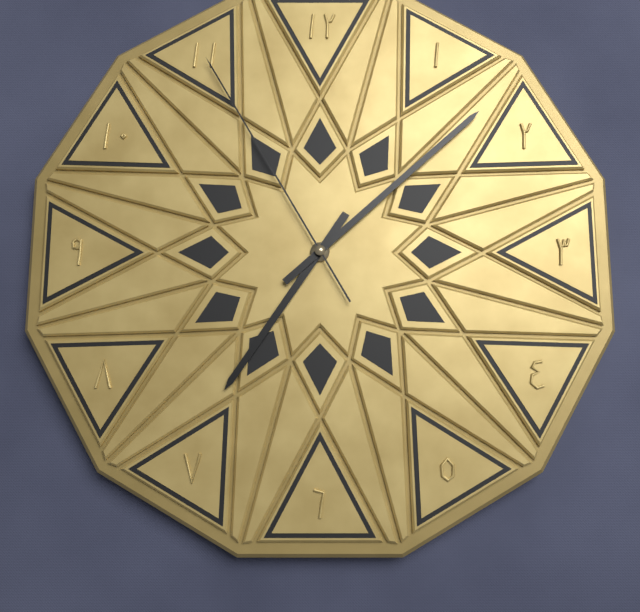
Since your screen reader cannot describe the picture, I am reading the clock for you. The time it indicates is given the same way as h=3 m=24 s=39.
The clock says h=7 m=8 s=55
